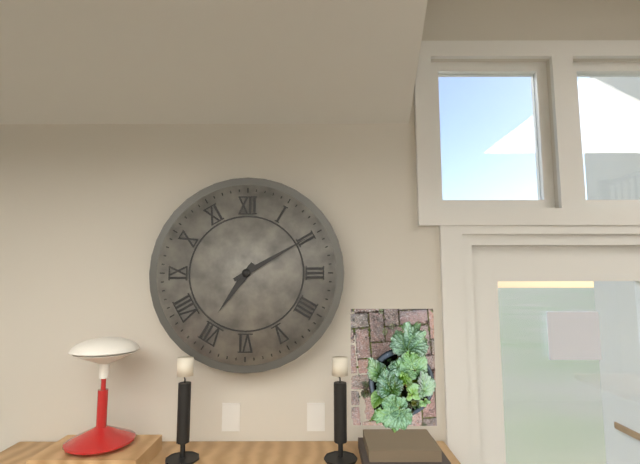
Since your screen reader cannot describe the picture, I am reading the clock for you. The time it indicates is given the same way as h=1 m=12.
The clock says h=7 m=10
